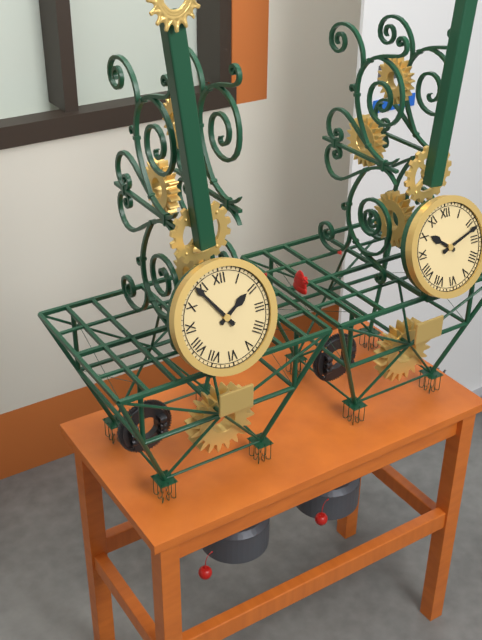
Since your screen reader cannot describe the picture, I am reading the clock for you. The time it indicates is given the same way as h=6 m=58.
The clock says h=1 m=54
